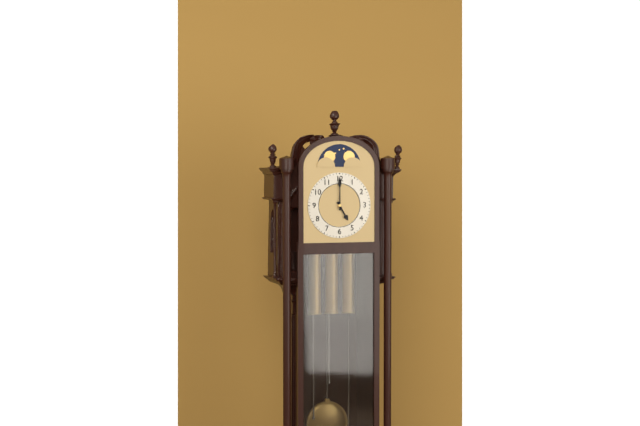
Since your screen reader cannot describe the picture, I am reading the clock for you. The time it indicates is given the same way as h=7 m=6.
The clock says h=5 m=0
